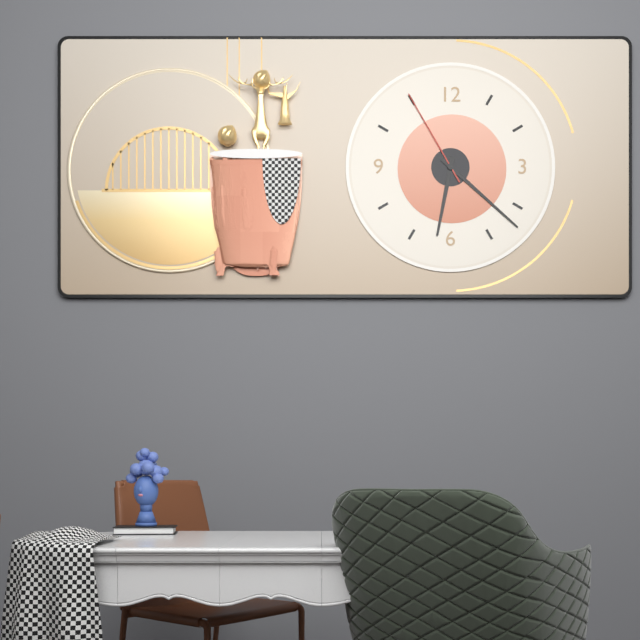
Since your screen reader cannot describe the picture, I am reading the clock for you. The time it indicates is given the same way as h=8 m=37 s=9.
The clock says h=6 m=22 s=55
